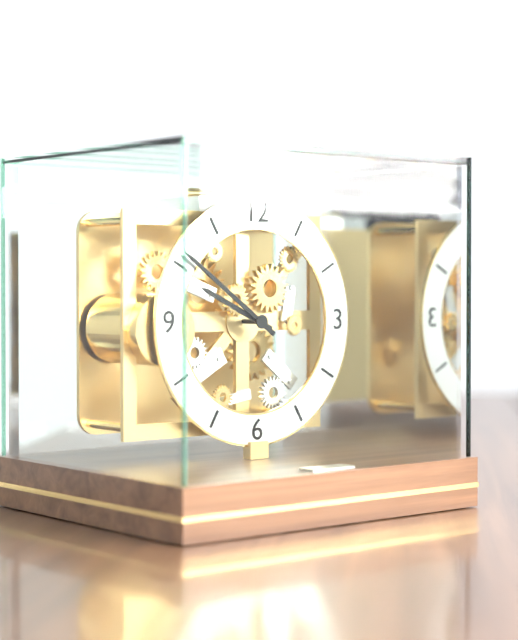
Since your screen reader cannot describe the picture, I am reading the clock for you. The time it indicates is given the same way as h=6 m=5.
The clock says h=9 m=51
